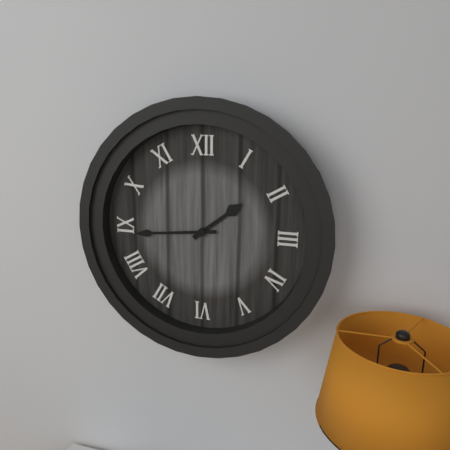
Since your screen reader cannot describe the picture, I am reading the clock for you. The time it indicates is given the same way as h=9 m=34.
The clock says h=1 m=44
